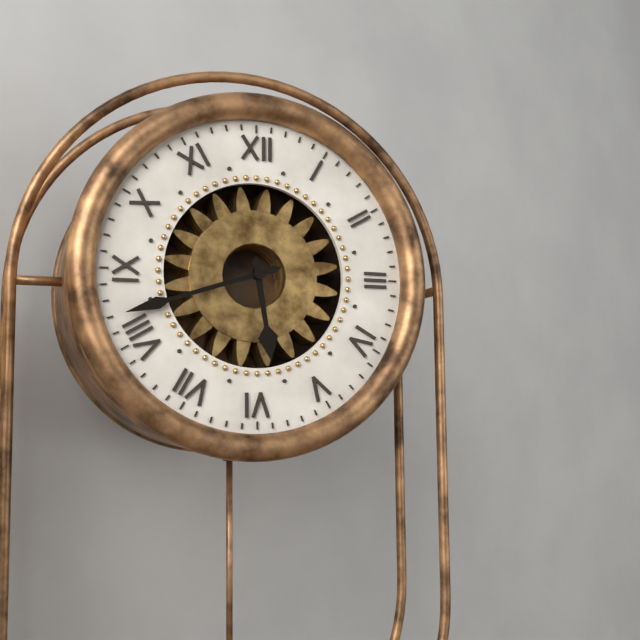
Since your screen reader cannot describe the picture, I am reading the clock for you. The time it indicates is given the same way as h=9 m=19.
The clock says h=5 m=42
